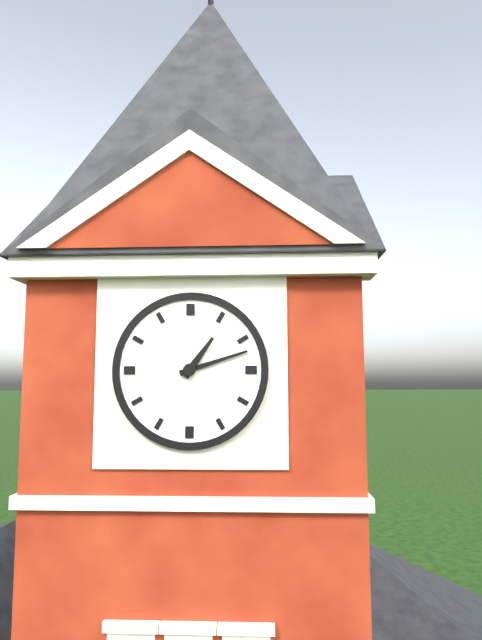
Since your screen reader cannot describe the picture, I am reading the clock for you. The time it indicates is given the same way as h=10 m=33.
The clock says h=1 m=12
